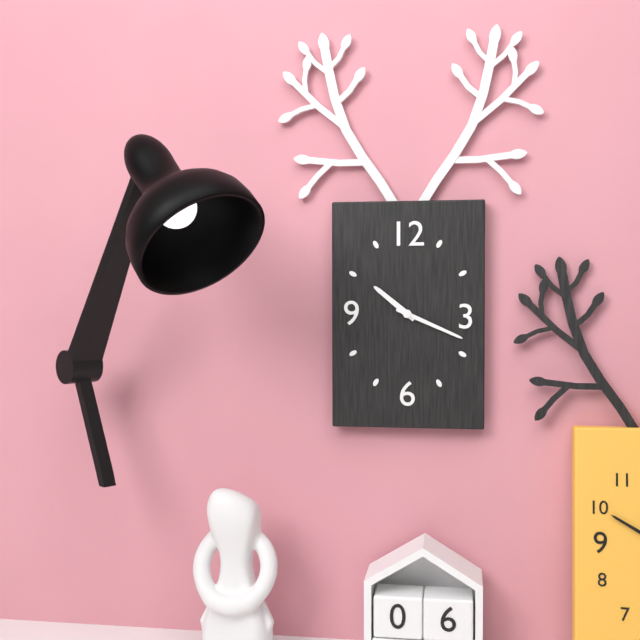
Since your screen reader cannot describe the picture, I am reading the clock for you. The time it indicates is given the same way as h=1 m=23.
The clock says h=10 m=19
